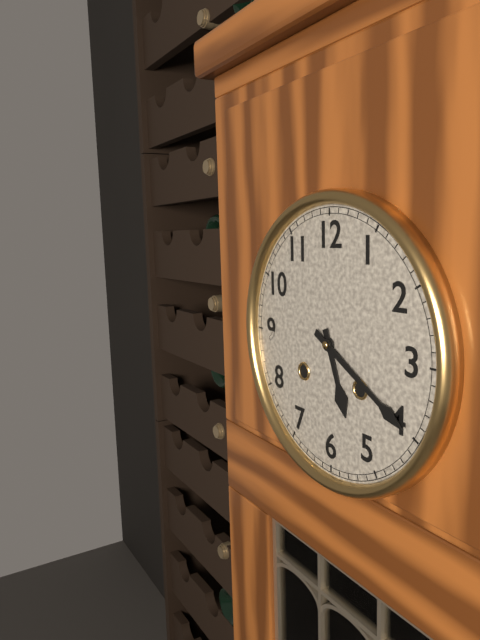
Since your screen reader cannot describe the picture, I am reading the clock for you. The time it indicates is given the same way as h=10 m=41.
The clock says h=5 m=20
